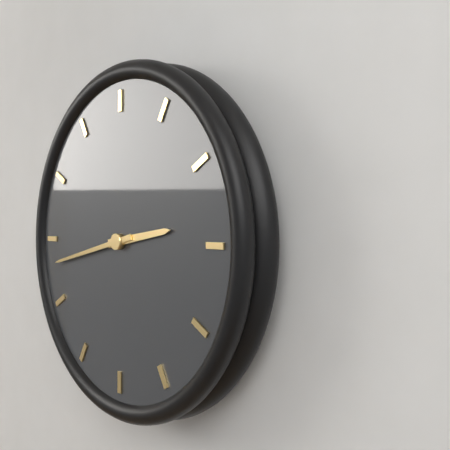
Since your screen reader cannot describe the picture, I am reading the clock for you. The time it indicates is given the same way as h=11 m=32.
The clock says h=2 m=43
